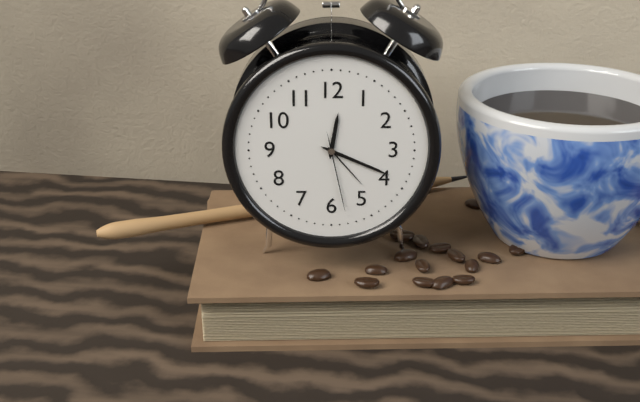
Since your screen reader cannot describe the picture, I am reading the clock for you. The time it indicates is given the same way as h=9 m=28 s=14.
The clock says h=12 m=19 s=28
